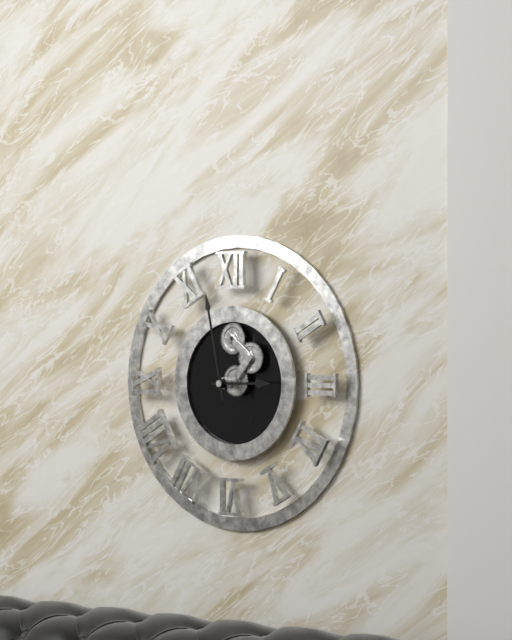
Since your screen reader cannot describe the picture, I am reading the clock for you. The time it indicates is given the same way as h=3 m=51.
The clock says h=2 m=58
